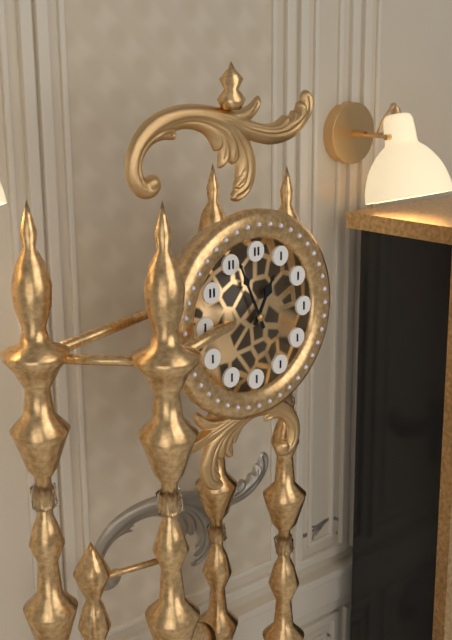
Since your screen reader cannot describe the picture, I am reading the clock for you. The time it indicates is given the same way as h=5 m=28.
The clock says h=12 m=56
